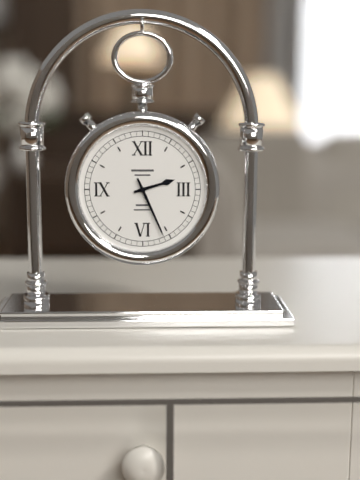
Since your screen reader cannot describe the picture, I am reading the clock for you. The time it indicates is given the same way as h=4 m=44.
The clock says h=2 m=26
